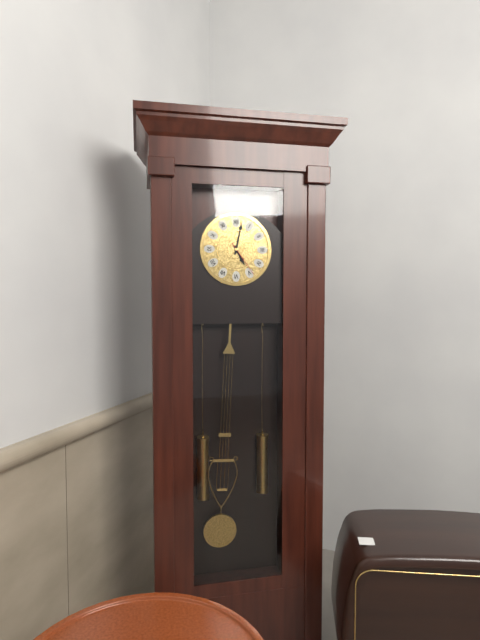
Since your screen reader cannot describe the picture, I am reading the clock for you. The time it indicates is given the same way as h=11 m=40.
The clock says h=5 m=2
